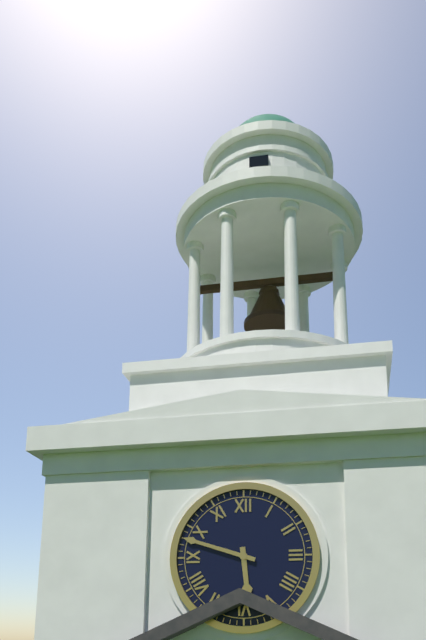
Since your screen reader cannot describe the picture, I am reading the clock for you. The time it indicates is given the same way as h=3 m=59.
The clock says h=5 m=48
